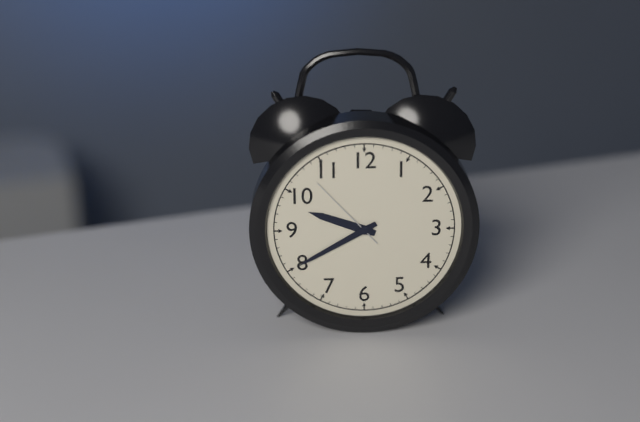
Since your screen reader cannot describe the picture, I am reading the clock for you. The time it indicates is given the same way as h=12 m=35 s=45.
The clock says h=9 m=40 s=53
